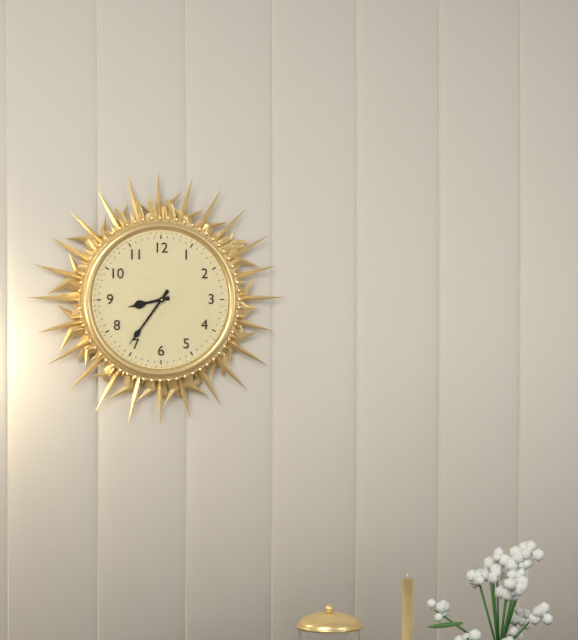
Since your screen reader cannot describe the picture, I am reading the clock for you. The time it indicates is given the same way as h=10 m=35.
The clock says h=8 m=36
